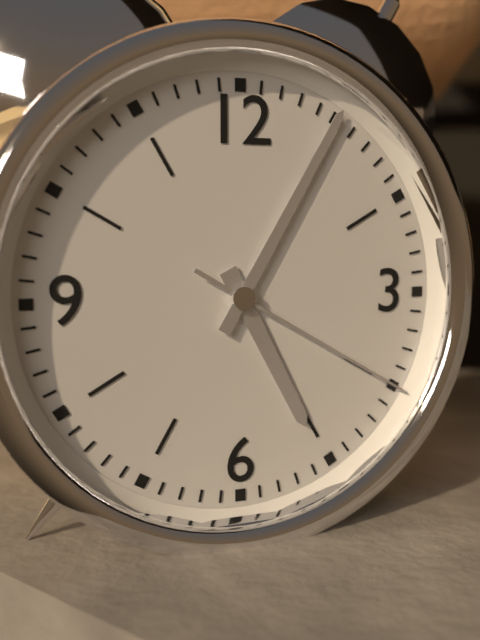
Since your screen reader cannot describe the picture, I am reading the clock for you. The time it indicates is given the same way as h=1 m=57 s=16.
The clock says h=5 m=5 s=20
